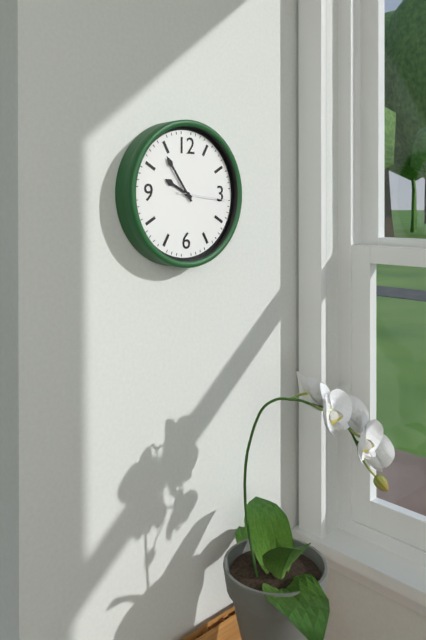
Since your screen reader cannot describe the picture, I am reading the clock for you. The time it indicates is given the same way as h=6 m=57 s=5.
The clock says h=9 m=54 s=16
